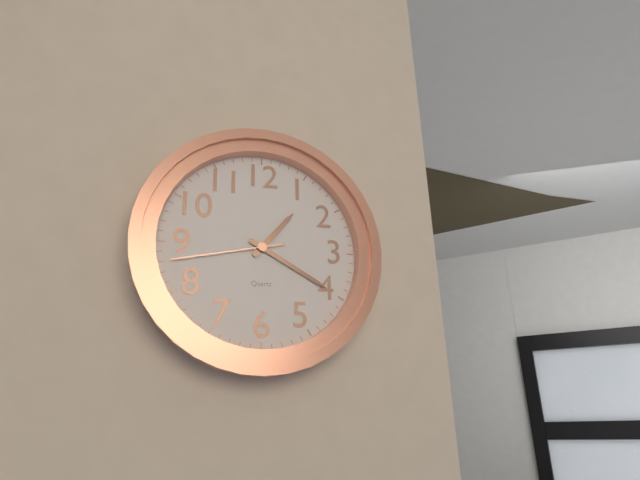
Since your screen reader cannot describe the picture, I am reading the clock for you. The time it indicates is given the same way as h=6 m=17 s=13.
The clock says h=1 m=20 s=43
